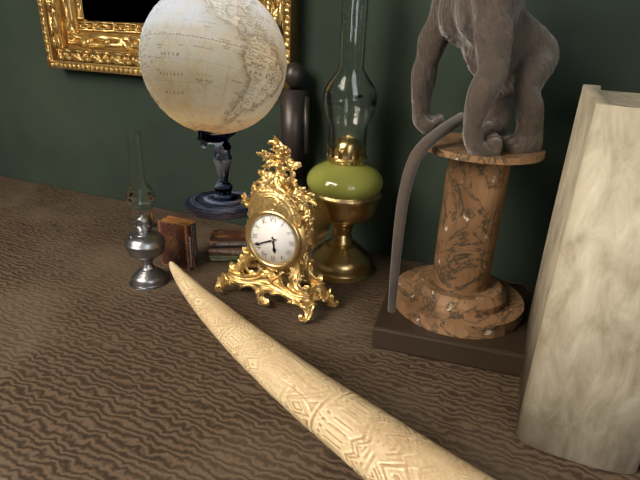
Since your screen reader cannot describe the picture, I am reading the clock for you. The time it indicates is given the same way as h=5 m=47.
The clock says h=5 m=41
